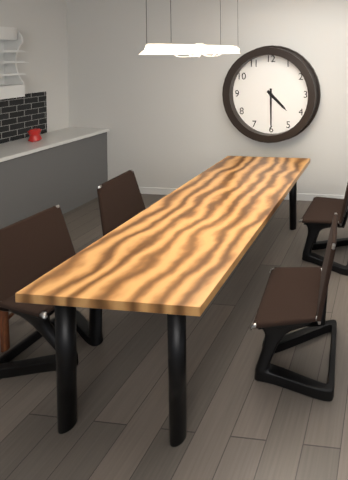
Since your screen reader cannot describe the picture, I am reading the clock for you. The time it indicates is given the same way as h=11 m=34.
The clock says h=4 m=30
